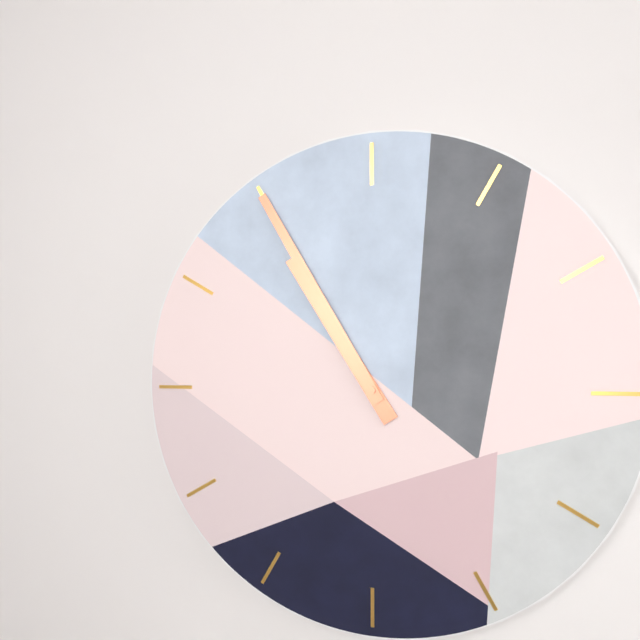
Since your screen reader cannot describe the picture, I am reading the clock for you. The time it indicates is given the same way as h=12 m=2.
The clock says h=10 m=55
